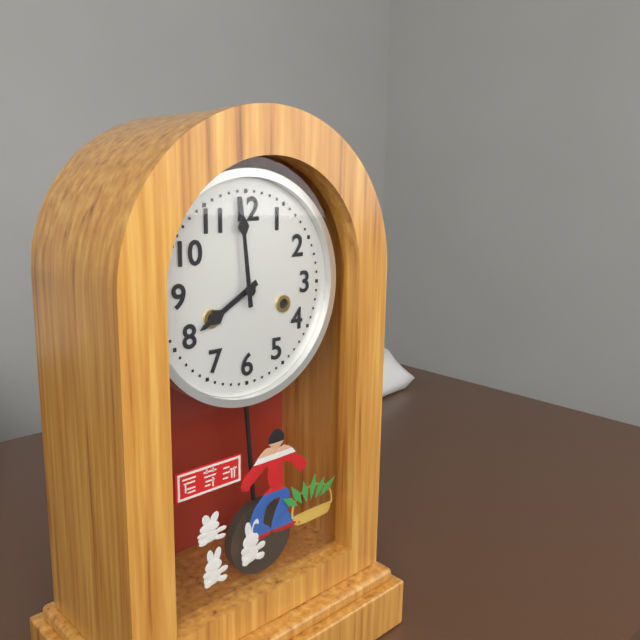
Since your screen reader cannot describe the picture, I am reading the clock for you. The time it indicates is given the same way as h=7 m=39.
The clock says h=7 m=59
